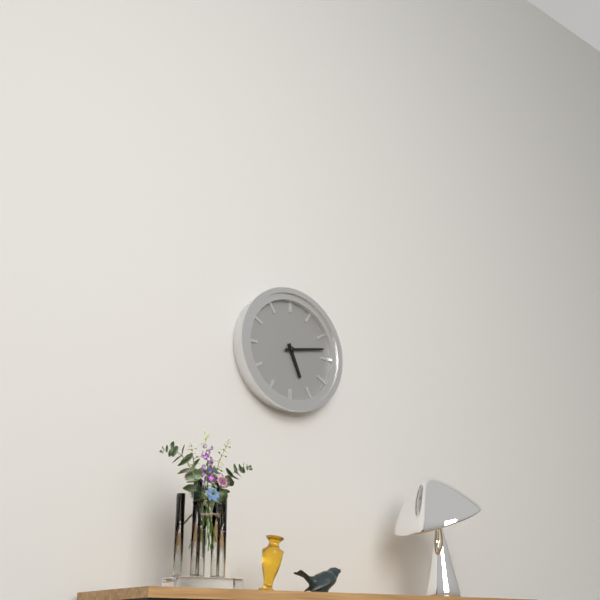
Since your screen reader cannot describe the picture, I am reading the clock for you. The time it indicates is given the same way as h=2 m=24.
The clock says h=5 m=13
